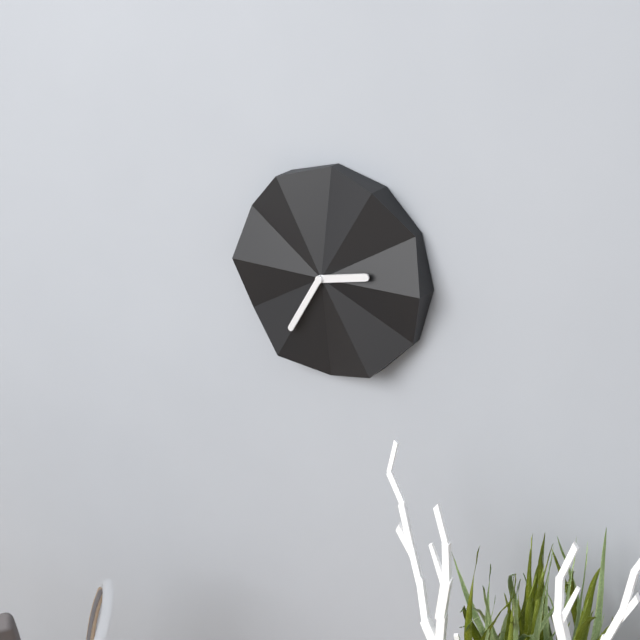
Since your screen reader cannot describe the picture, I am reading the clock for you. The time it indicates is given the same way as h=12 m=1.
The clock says h=2 m=35
